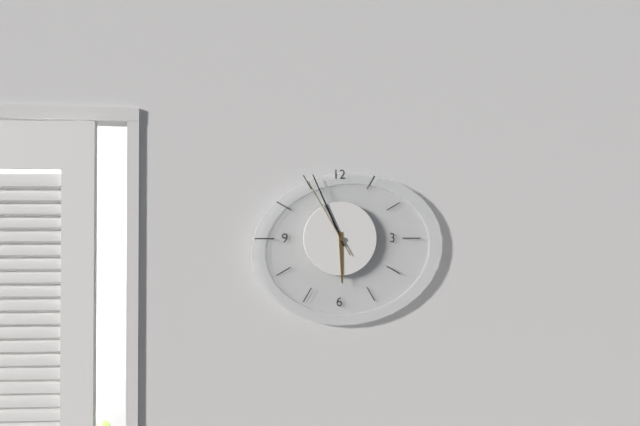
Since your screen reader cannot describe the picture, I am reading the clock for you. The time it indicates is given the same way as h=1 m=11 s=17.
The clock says h=5 m=56 s=55
